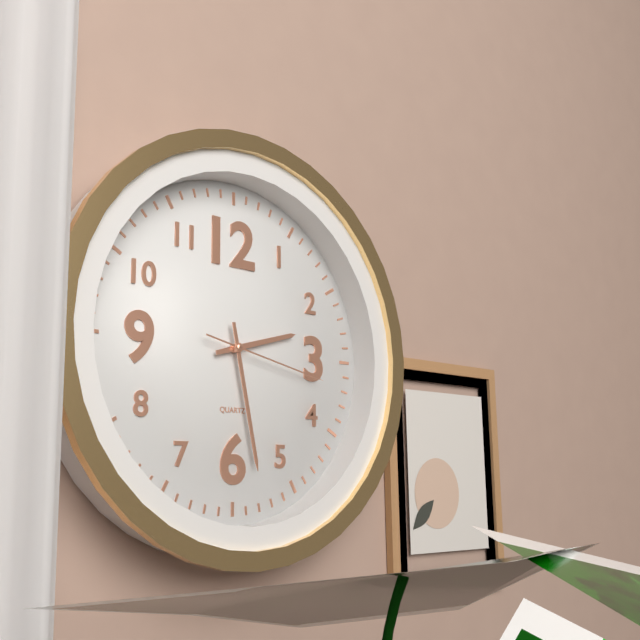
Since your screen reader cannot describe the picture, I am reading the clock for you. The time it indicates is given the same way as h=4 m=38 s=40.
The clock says h=2 m=28 s=17
